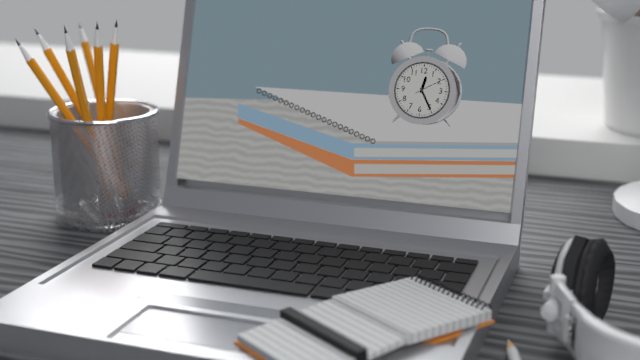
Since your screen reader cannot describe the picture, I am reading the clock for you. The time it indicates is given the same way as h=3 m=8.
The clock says h=12 m=25
